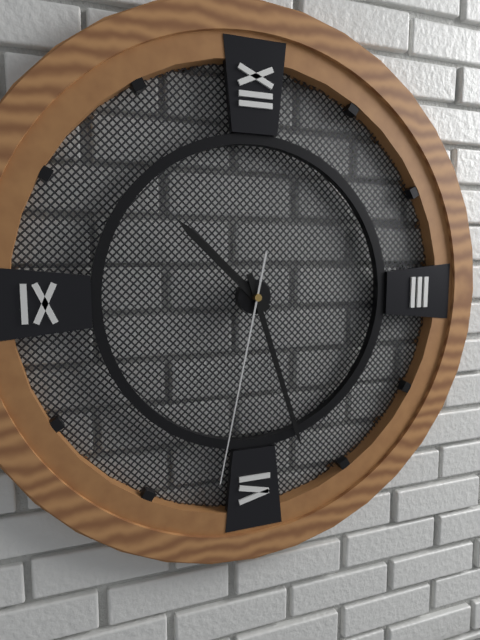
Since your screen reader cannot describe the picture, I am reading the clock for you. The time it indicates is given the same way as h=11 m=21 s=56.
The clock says h=10 m=27 s=32
